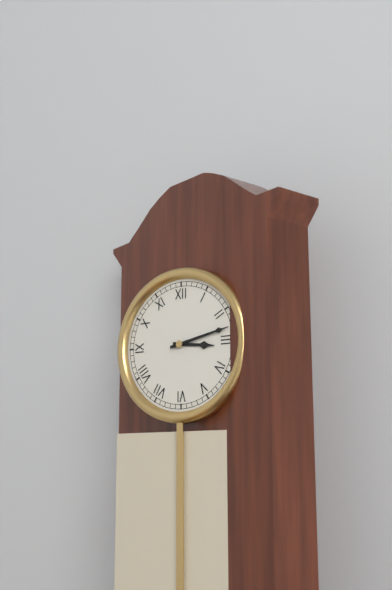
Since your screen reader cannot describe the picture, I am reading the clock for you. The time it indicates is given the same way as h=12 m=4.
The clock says h=3 m=13
